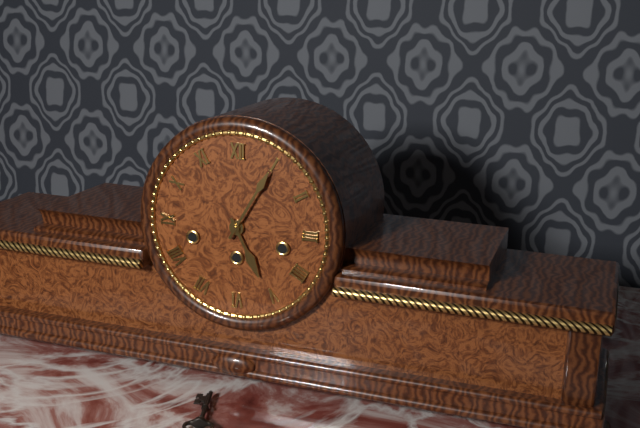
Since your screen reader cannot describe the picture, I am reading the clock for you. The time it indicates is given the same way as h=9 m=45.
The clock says h=5 m=5
